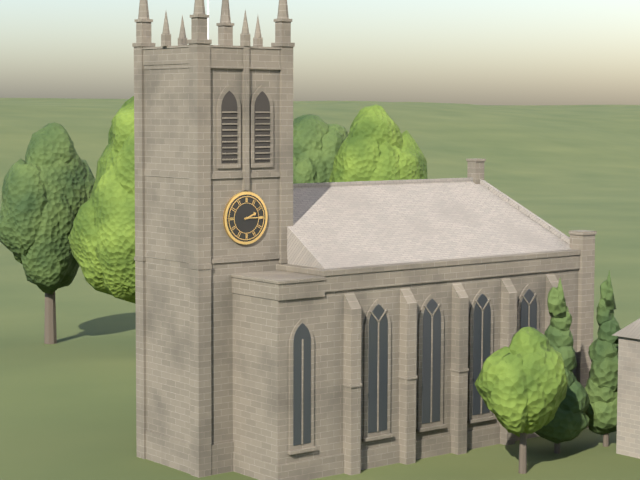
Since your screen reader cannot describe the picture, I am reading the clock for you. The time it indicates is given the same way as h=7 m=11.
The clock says h=2 m=15
